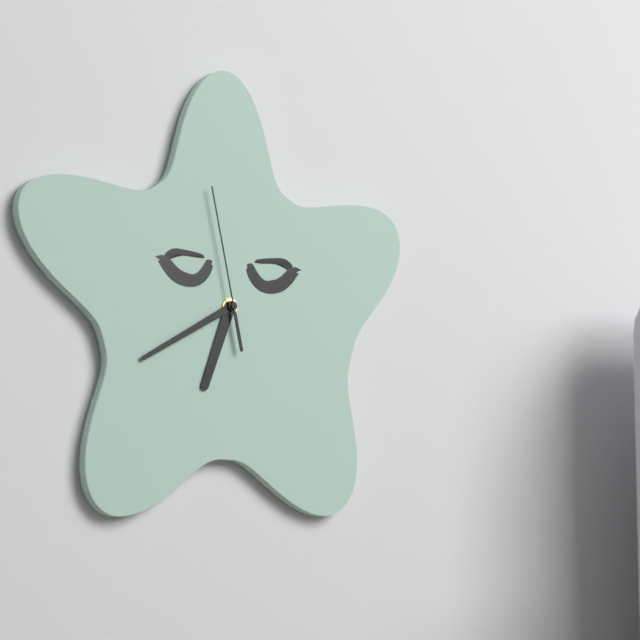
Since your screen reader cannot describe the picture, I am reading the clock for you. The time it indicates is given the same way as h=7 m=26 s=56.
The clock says h=6 m=40 s=58
